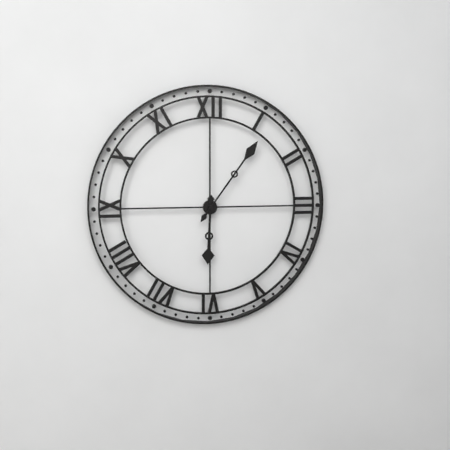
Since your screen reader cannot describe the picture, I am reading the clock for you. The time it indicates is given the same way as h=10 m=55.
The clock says h=6 m=6
